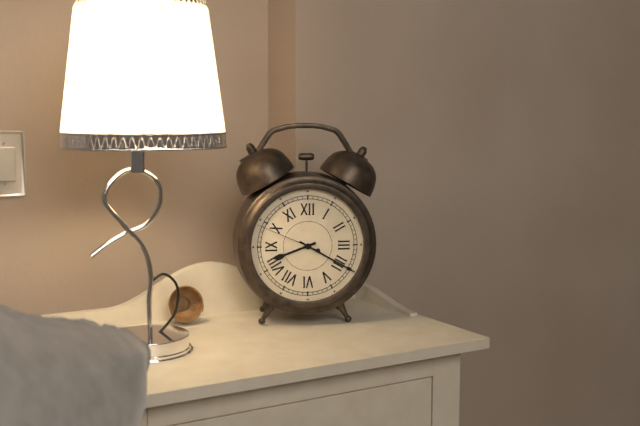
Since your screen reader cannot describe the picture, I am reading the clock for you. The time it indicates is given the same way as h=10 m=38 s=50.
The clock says h=8 m=20 s=49
